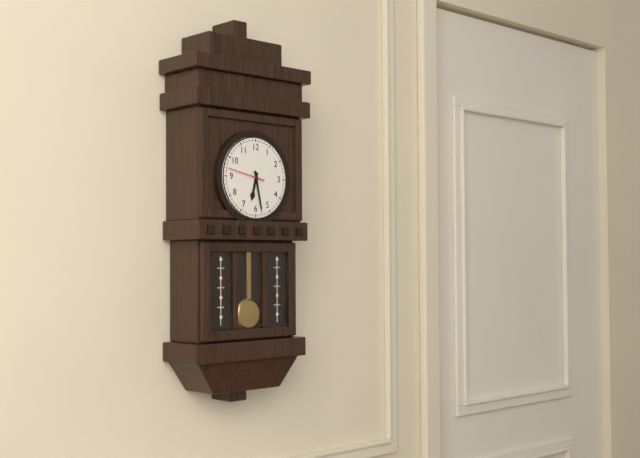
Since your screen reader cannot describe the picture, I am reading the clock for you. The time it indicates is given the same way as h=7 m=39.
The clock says h=6 m=28
